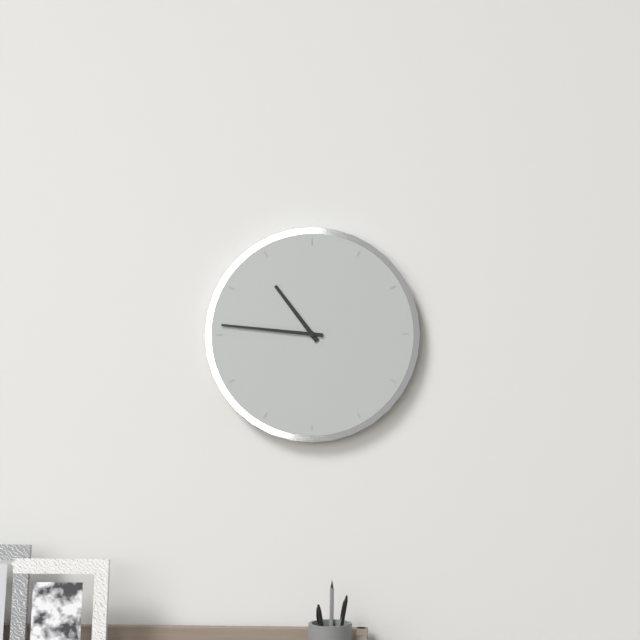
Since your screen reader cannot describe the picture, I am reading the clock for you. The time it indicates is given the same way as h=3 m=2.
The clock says h=10 m=46
